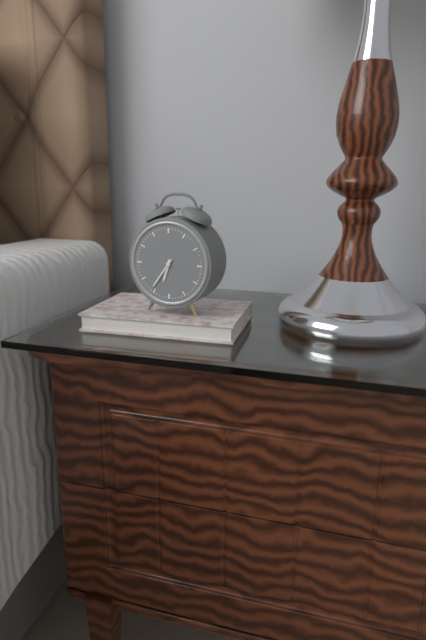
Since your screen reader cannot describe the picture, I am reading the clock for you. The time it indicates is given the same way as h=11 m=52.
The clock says h=6 m=36
